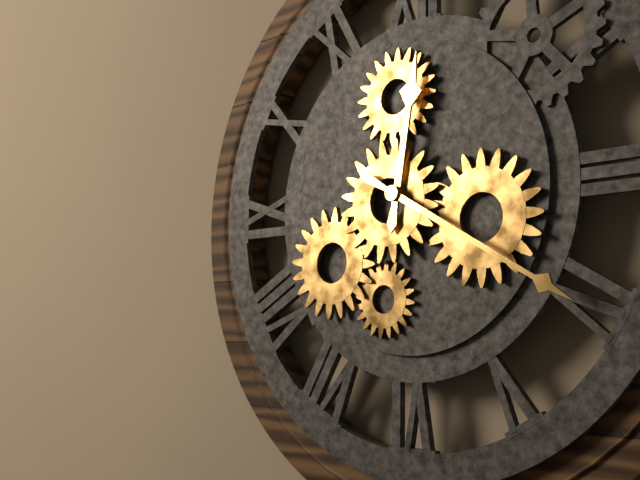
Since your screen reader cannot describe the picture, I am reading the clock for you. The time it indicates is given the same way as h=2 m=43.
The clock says h=12 m=20
